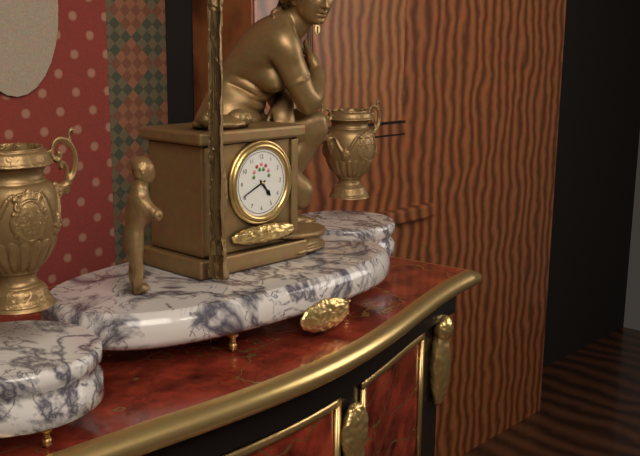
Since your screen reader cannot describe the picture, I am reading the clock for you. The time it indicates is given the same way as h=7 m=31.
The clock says h=4 m=41
